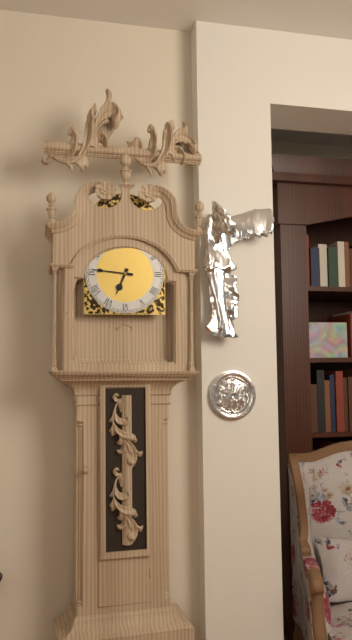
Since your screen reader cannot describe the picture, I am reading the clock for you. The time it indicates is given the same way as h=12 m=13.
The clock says h=6 m=46
